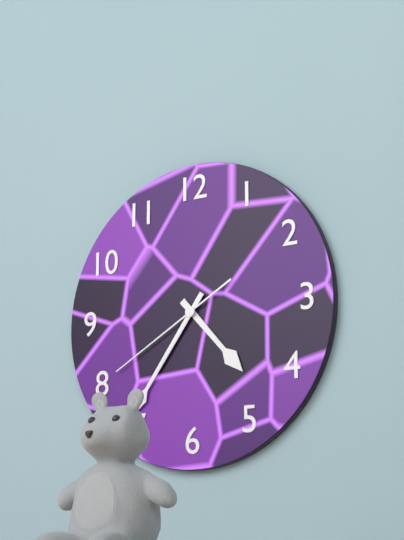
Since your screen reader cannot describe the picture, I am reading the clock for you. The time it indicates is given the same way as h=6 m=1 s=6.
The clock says h=4 m=36 s=40
